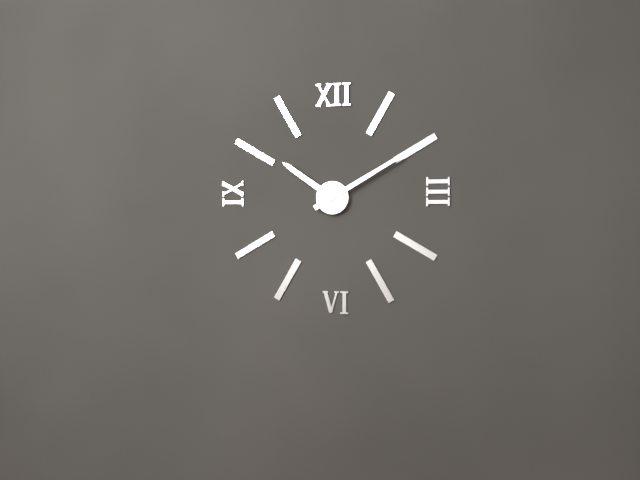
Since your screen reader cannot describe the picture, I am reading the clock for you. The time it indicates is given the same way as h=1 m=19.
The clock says h=10 m=10
